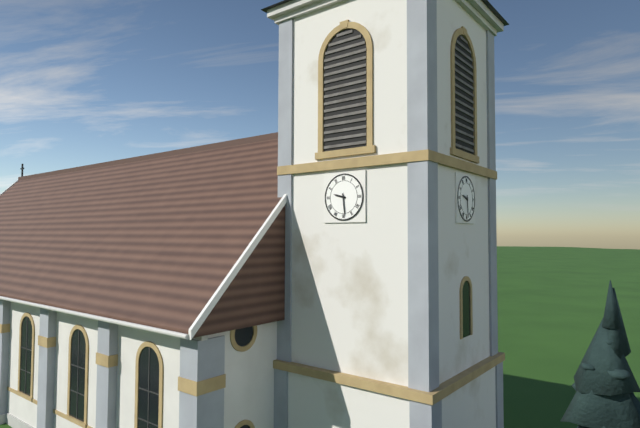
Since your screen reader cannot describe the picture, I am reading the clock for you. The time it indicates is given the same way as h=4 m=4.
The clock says h=9 m=29
